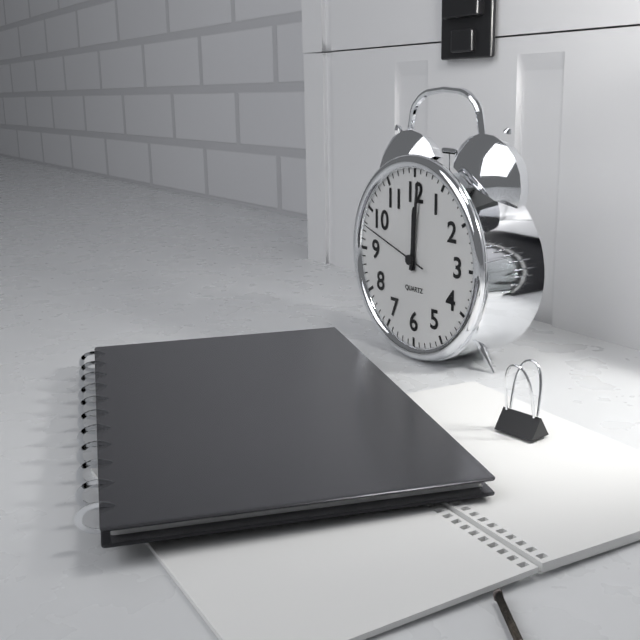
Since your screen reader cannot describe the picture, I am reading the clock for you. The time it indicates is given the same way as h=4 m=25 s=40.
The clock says h=12 m=1 s=48
